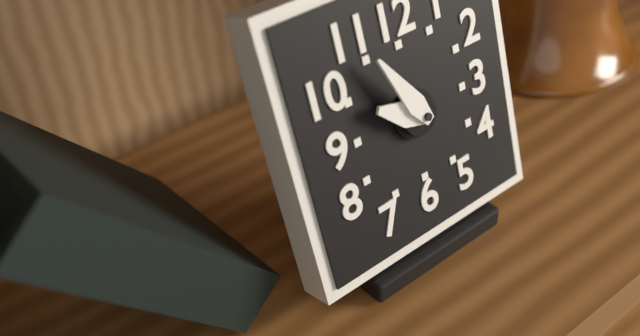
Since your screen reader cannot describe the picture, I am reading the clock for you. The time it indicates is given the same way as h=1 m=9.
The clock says h=9 m=55
